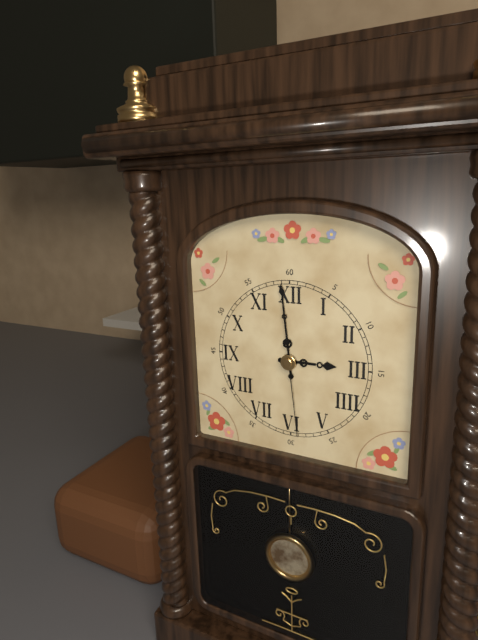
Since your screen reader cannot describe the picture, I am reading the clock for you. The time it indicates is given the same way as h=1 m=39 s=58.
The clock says h=2 m=59 s=29
